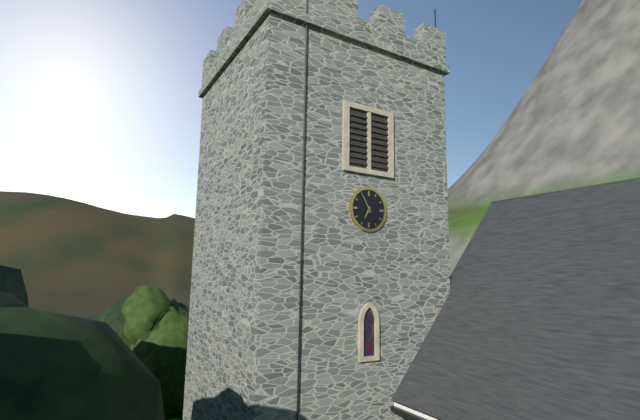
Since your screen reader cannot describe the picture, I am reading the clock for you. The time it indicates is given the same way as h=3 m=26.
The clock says h=6 m=55
